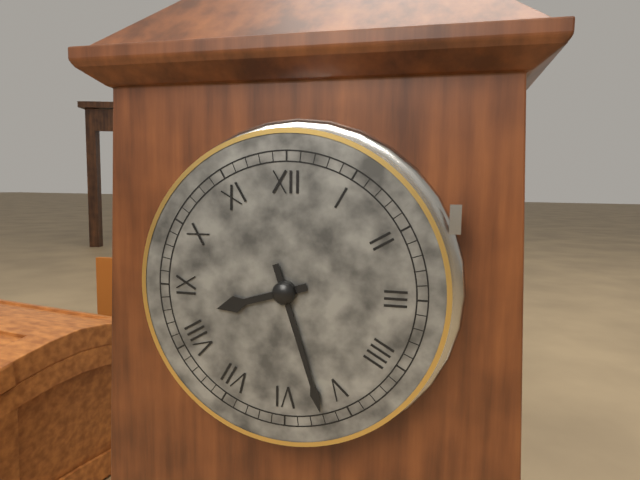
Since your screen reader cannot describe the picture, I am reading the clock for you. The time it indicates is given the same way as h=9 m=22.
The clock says h=8 m=27
